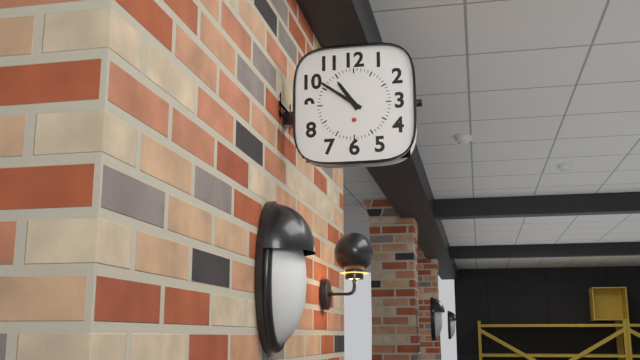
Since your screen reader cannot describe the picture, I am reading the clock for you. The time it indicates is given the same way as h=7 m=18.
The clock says h=10 m=51
